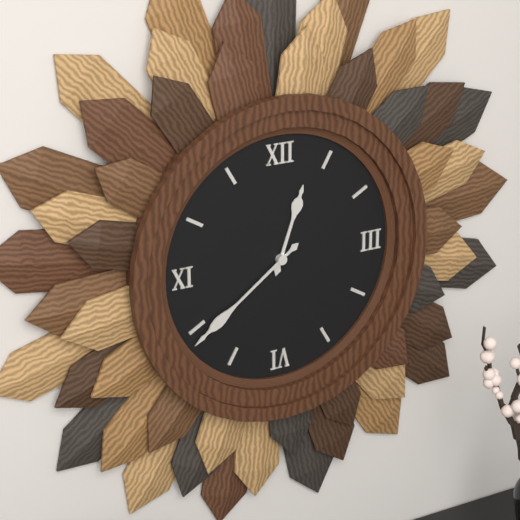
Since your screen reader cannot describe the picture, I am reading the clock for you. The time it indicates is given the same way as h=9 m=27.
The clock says h=12 m=39
